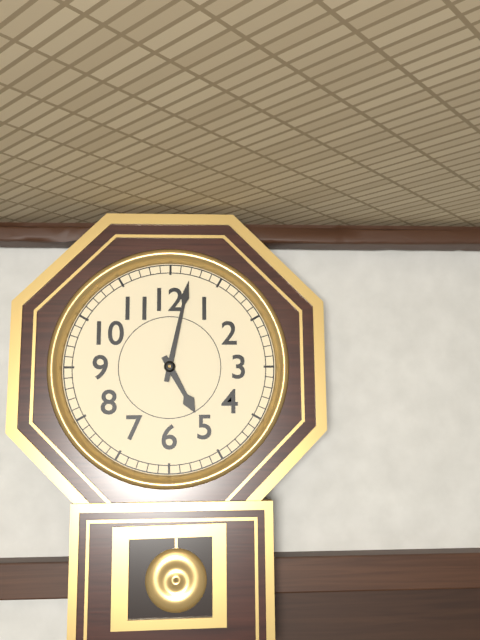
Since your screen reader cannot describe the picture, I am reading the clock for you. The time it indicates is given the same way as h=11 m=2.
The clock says h=5 m=2
